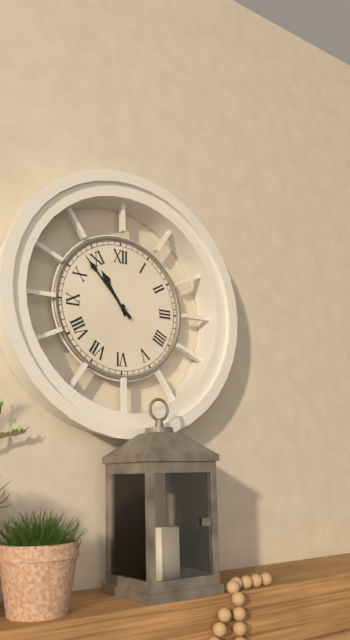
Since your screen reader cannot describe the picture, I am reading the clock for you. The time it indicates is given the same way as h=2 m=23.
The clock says h=10 m=53
